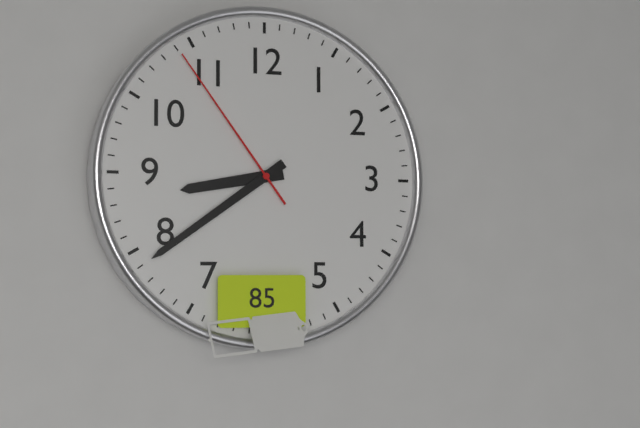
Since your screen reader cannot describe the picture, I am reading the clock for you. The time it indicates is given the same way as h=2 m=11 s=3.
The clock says h=8 m=39 s=54
